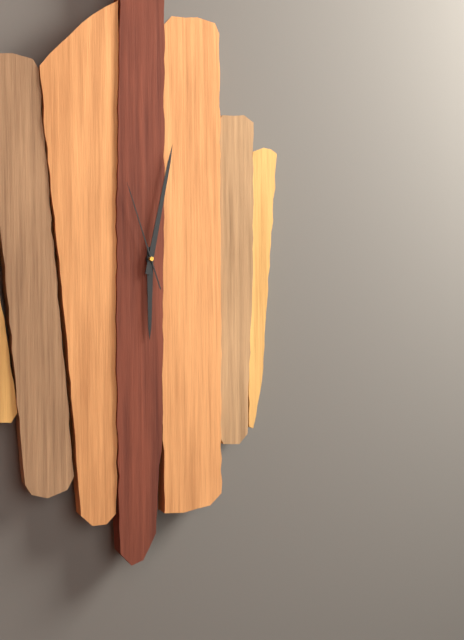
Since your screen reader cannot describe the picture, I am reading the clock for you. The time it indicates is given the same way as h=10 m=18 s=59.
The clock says h=6 m=2 s=57
